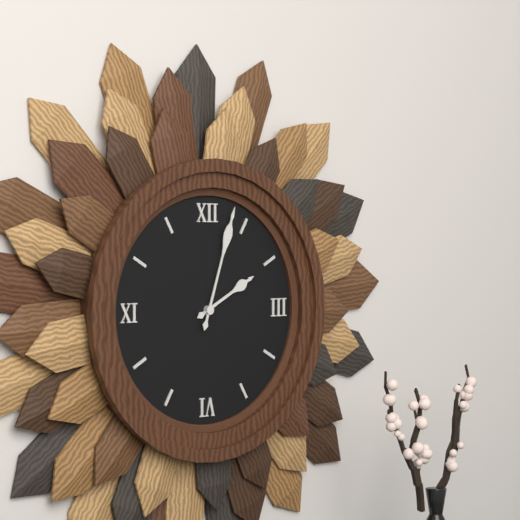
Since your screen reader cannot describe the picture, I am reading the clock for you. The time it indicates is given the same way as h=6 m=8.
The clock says h=2 m=3
